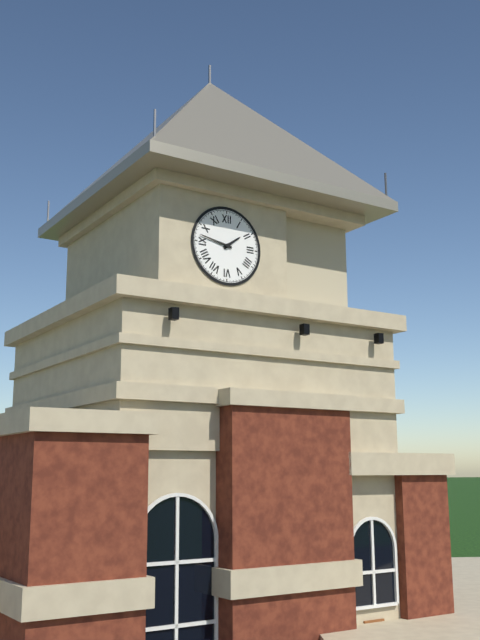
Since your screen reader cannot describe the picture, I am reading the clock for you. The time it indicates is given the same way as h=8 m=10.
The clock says h=1 m=47
